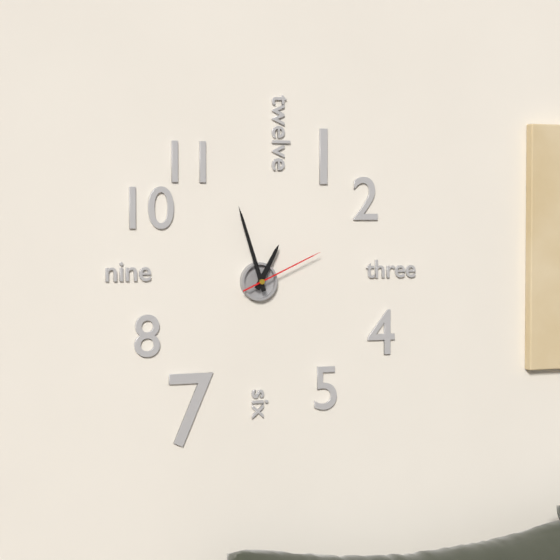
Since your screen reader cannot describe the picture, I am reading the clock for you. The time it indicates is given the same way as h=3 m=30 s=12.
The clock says h=12 m=57 s=11
